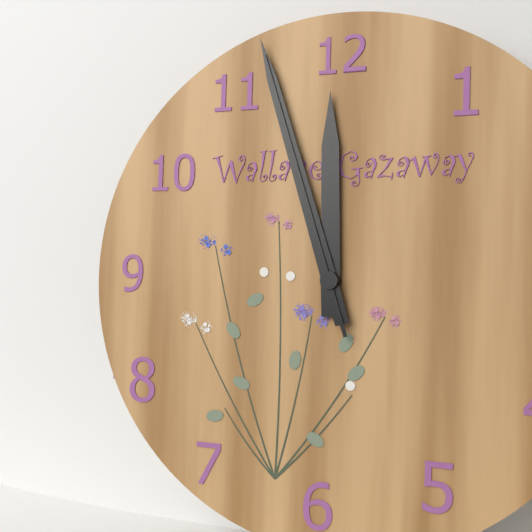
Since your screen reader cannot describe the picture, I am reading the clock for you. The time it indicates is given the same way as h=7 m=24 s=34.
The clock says h=11 m=57 s=57
